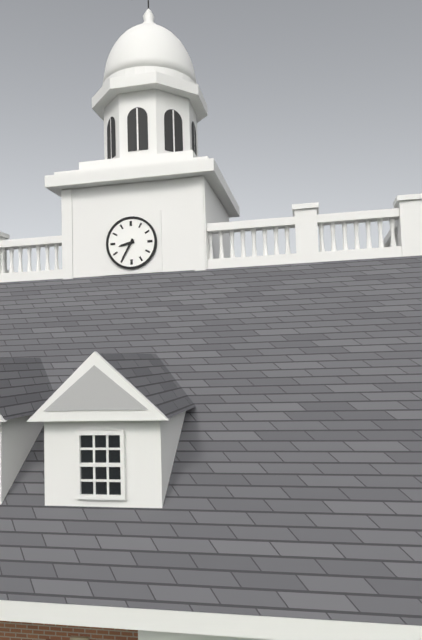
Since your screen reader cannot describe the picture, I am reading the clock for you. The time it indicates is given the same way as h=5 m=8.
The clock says h=8 m=35
